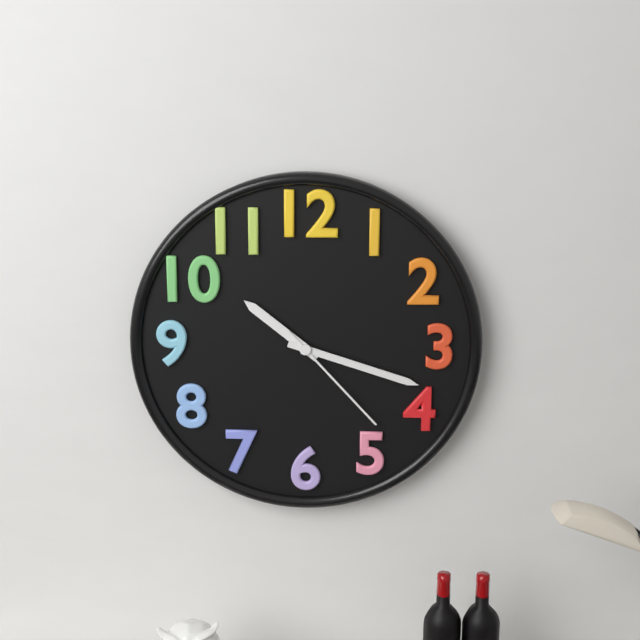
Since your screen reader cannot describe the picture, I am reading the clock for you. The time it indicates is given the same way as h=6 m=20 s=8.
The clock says h=10 m=18 s=23
